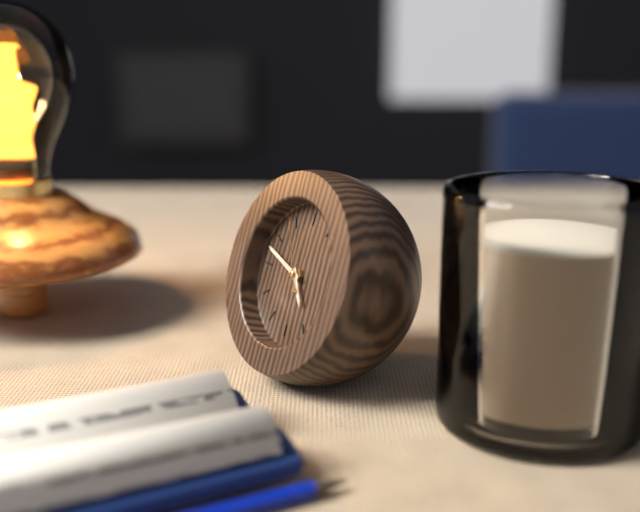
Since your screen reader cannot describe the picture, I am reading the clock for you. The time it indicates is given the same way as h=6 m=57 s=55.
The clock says h=4 m=48 s=55
